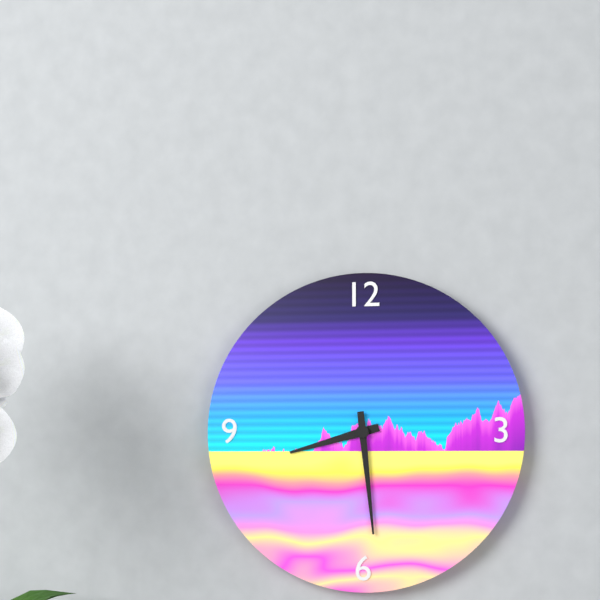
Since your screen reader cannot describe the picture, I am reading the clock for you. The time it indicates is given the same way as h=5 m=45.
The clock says h=8 m=29
